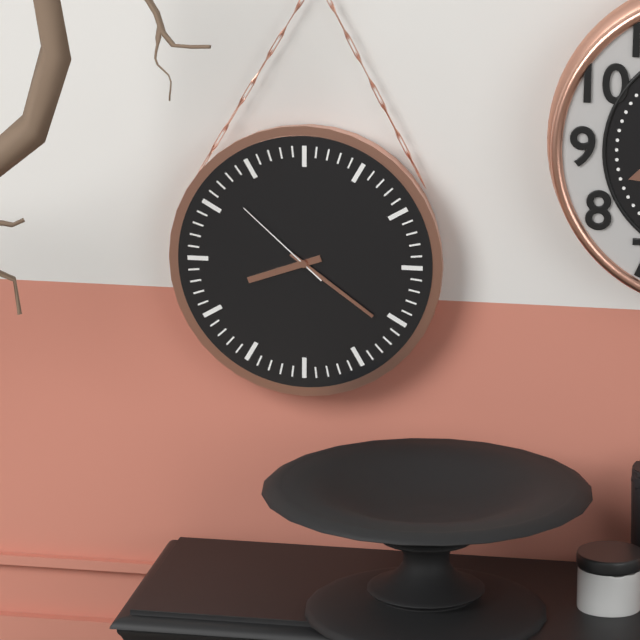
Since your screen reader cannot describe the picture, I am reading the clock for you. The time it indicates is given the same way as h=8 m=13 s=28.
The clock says h=8 m=21 s=52
